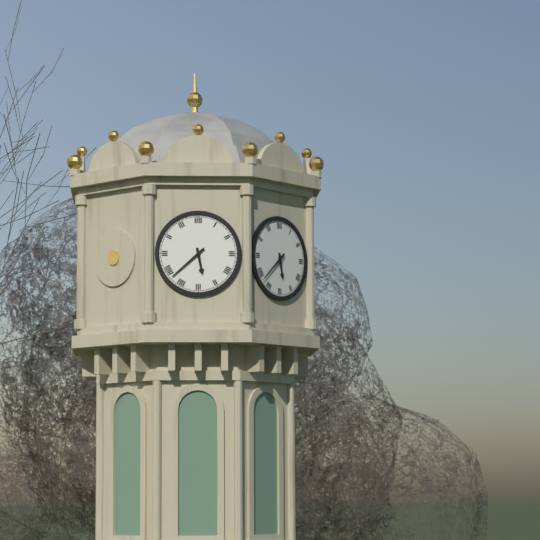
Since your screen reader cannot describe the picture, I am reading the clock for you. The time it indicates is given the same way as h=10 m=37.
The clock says h=5 m=38
